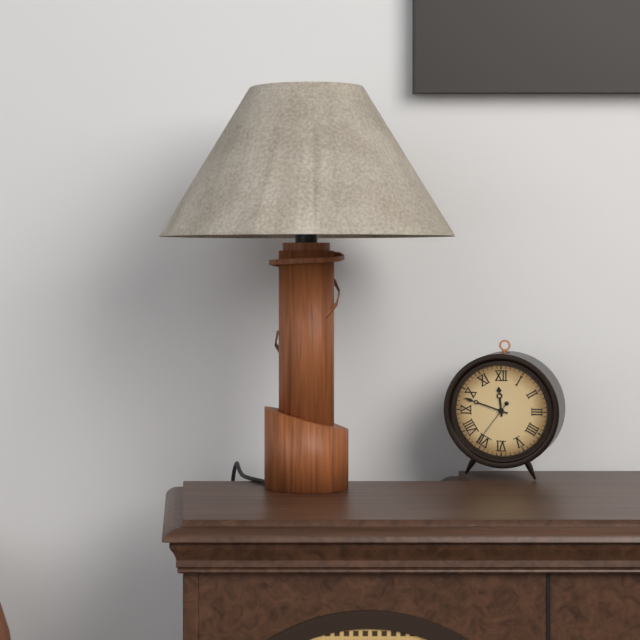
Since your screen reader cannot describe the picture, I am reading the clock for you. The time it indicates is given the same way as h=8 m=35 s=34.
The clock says h=11 m=48 s=36
